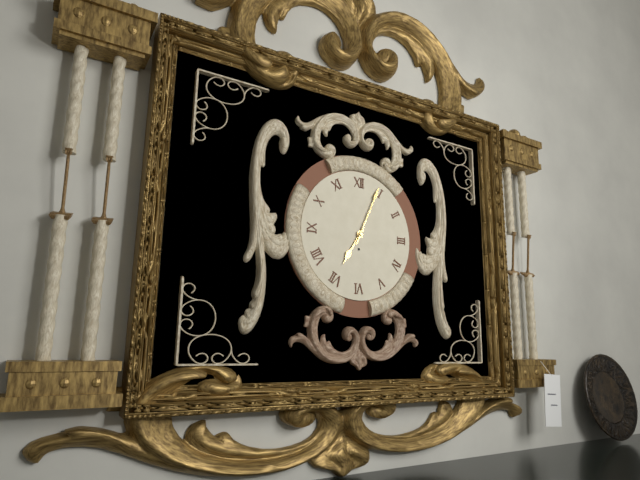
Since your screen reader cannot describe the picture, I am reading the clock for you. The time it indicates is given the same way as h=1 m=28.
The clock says h=7 m=4
